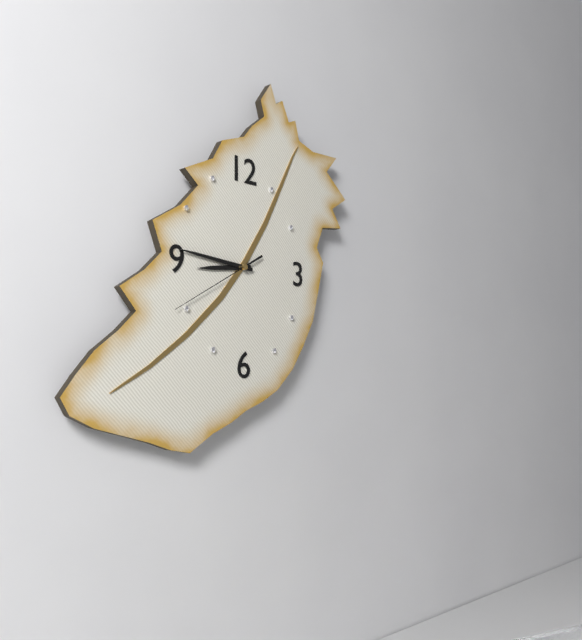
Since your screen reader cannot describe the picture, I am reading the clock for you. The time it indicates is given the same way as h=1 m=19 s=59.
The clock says h=8 m=46 s=40
